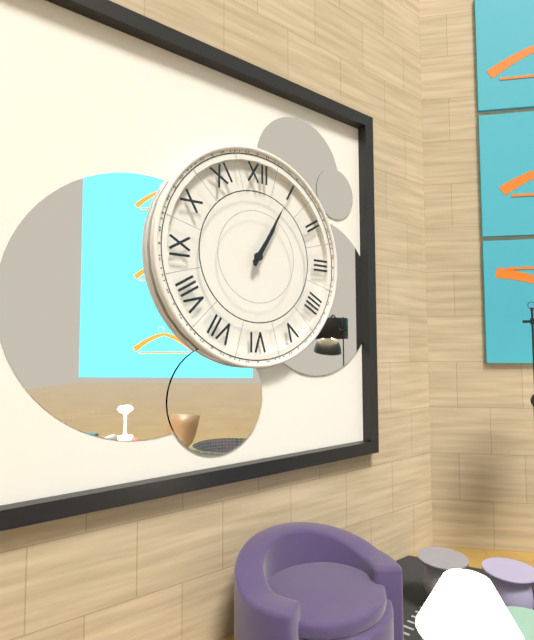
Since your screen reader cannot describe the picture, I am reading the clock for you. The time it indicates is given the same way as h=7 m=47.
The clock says h=1 m=5
